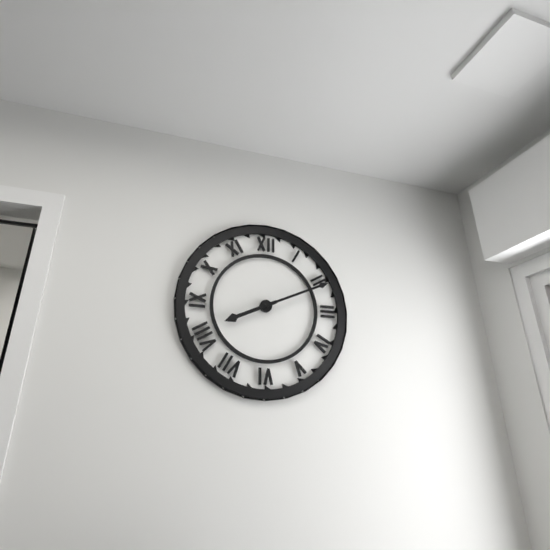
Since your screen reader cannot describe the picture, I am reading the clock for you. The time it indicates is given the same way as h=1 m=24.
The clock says h=8 m=11
